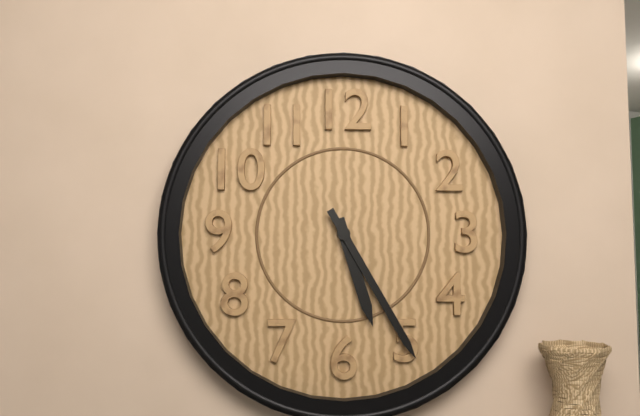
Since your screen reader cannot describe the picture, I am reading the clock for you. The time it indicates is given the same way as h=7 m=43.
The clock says h=5 m=25
